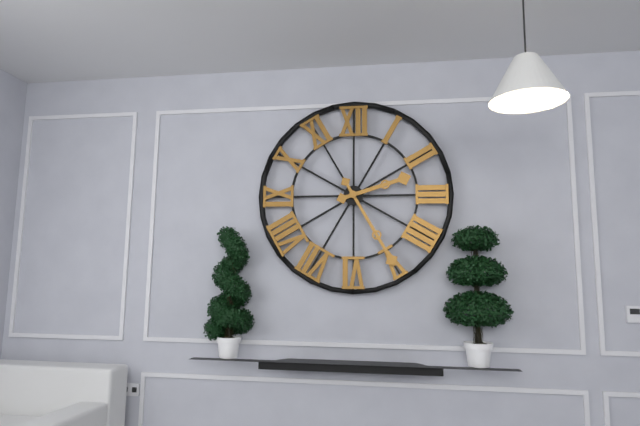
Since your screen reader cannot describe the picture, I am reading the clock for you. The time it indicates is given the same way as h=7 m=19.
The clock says h=2 m=25
